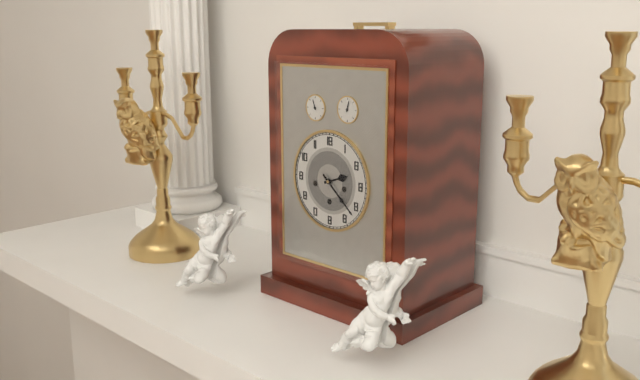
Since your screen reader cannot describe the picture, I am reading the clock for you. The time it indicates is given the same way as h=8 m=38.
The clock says h=2 m=22
